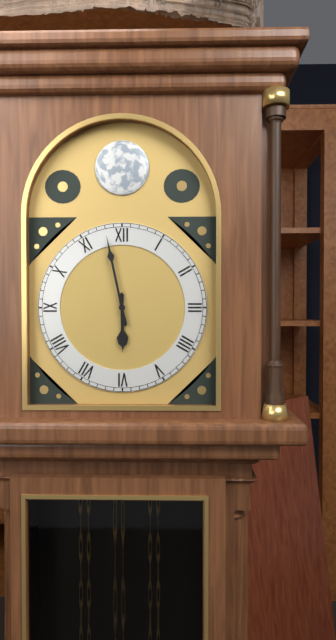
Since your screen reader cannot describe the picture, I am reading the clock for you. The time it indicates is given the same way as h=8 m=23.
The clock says h=5 m=58
